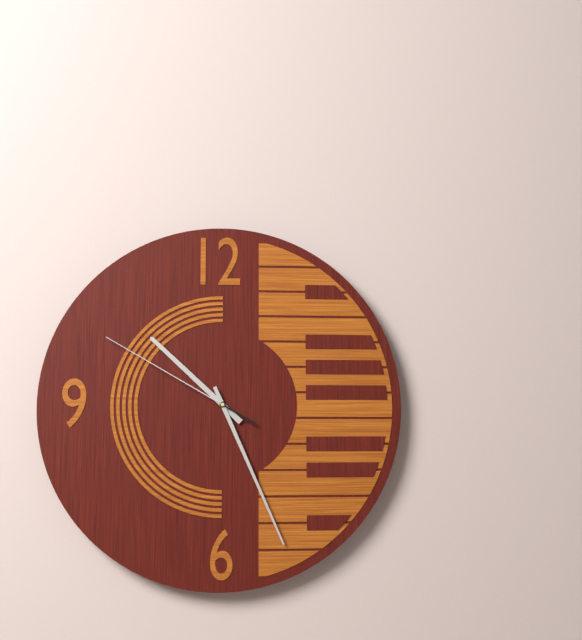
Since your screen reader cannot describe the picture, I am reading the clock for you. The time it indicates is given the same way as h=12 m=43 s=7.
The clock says h=10 m=26 s=50
